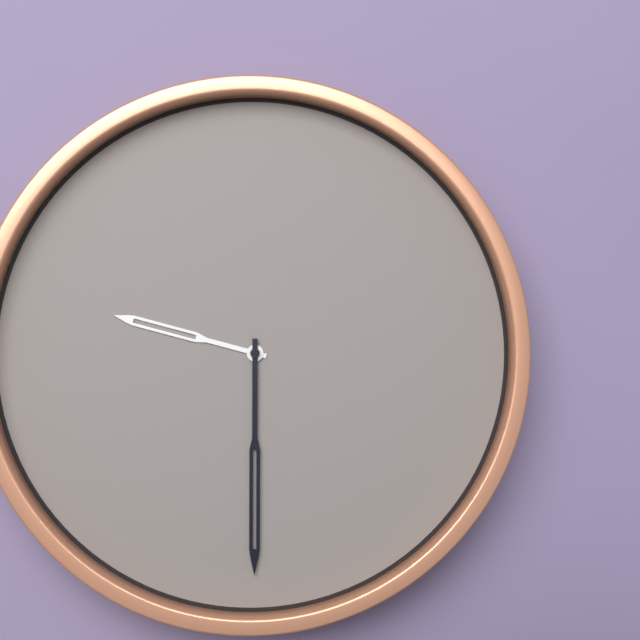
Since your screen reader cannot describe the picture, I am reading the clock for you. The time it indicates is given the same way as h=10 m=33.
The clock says h=9 m=30
